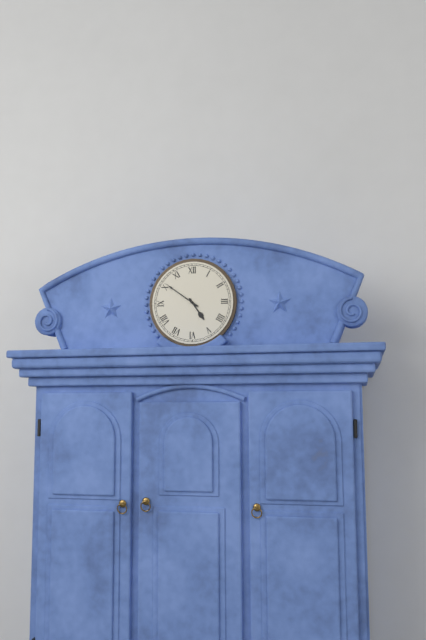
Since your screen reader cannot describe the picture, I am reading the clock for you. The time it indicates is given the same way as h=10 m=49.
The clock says h=4 m=51
